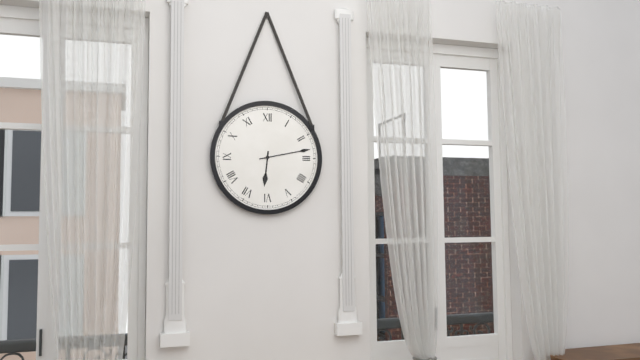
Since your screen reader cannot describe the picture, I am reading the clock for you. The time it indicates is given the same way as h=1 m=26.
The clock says h=6 m=13
